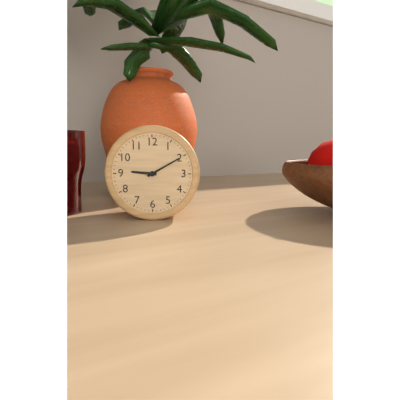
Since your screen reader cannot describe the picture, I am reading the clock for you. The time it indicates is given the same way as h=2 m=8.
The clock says h=9 m=10
